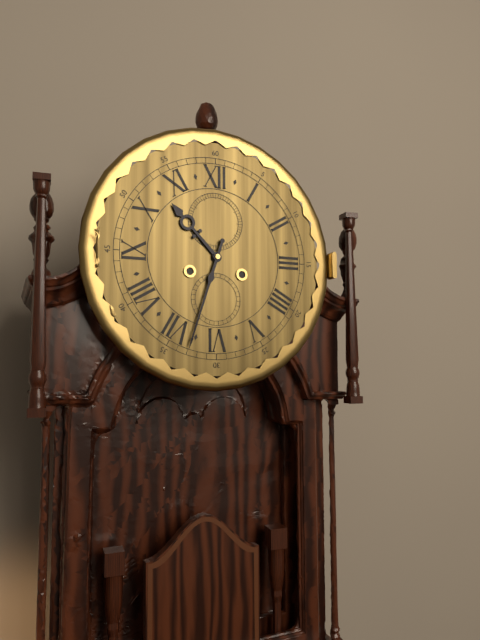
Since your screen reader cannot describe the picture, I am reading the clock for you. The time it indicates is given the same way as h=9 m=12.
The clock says h=10 m=33
